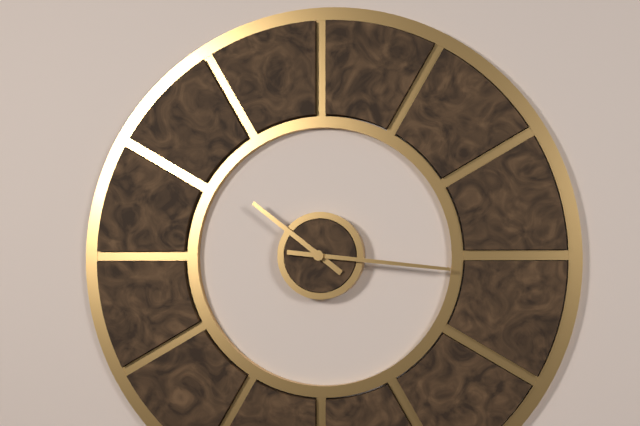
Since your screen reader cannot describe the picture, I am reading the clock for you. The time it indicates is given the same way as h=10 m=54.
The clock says h=10 m=16
